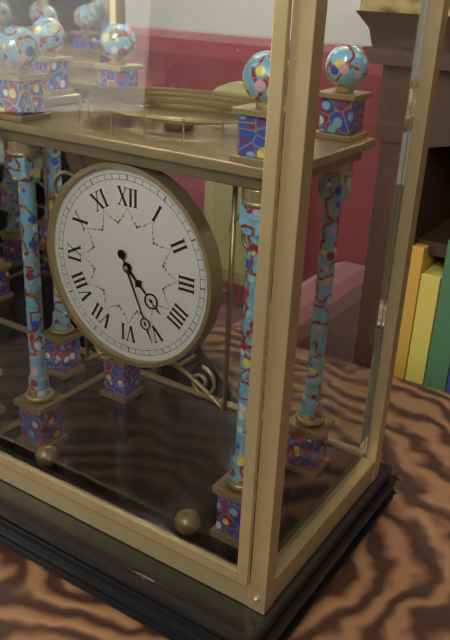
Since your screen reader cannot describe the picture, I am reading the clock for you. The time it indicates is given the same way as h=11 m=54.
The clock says h=4 m=26
